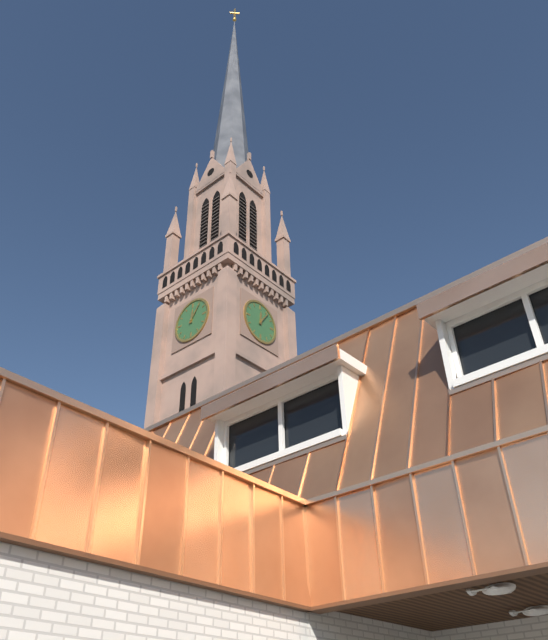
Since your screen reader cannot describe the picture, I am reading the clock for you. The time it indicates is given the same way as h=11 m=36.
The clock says h=12 m=6
